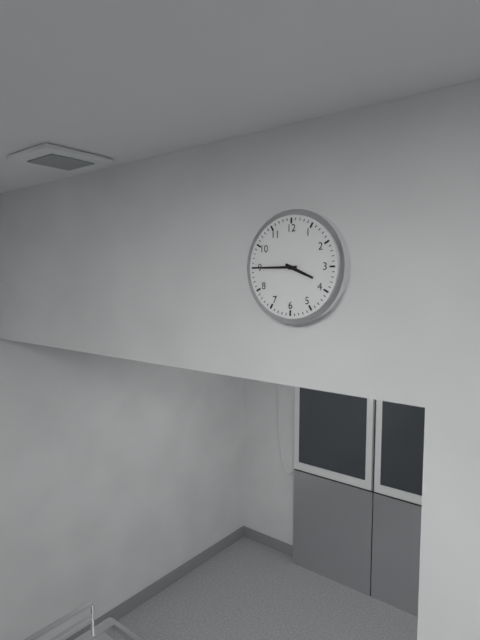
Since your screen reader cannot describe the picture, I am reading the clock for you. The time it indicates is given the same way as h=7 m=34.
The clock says h=3 m=45
